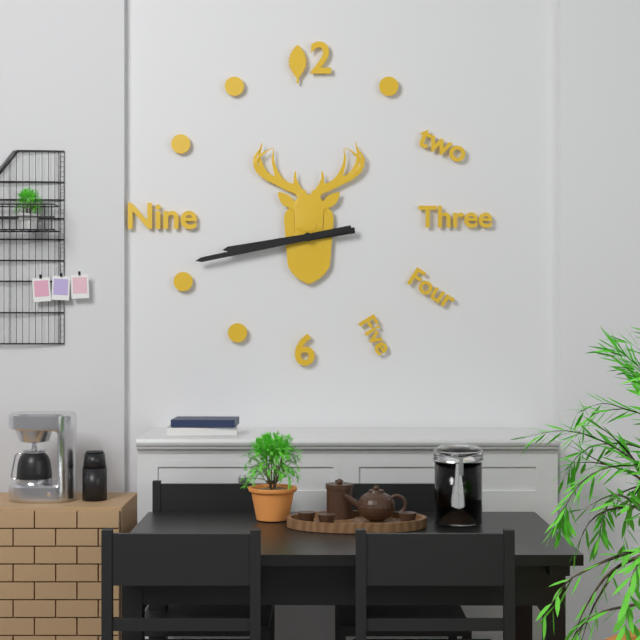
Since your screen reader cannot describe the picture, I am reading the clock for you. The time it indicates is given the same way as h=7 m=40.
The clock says h=8 m=43
